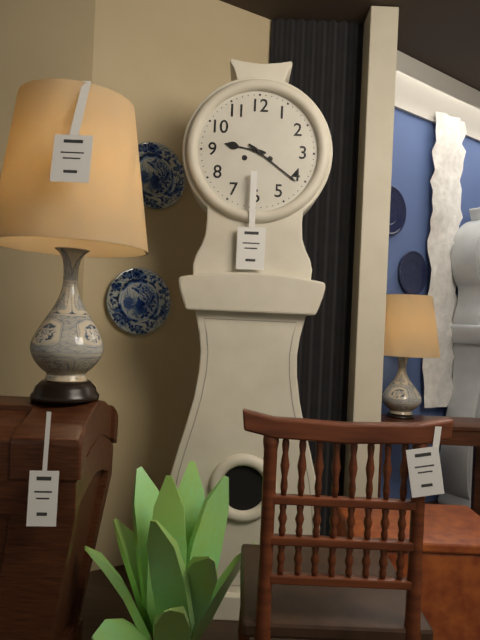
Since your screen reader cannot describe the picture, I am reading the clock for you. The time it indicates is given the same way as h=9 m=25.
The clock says h=9 m=21
